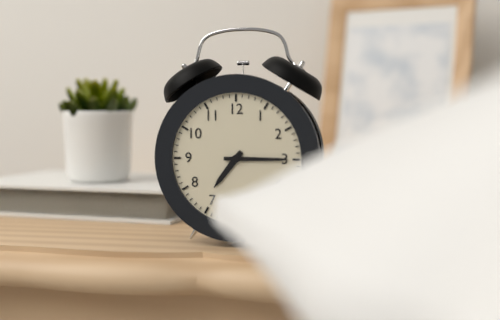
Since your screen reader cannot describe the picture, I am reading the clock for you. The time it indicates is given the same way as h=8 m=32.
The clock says h=7 m=15
